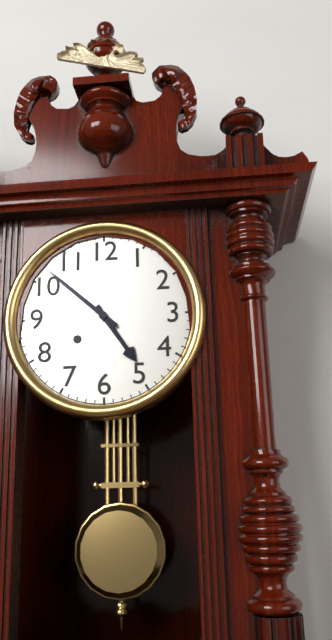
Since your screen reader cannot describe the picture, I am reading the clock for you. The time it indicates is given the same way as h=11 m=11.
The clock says h=4 m=52
